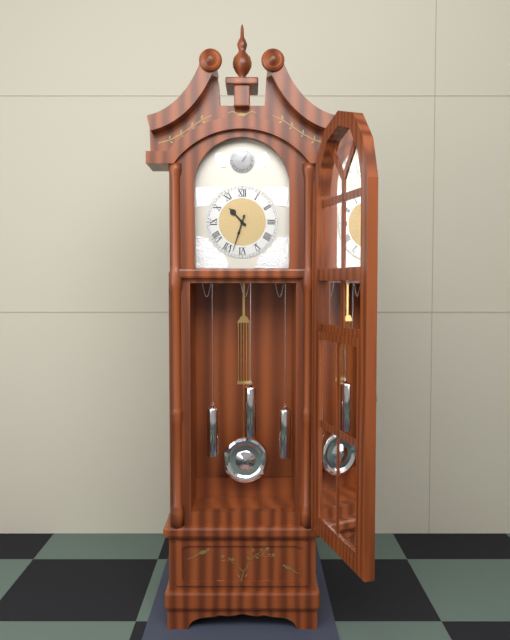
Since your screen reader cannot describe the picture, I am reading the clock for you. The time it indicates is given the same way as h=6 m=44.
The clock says h=10 m=33
